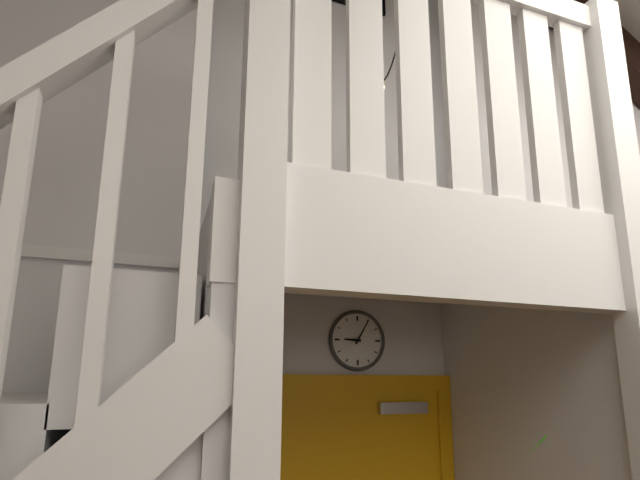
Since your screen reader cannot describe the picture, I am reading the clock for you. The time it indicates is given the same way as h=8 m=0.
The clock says h=9 m=5
